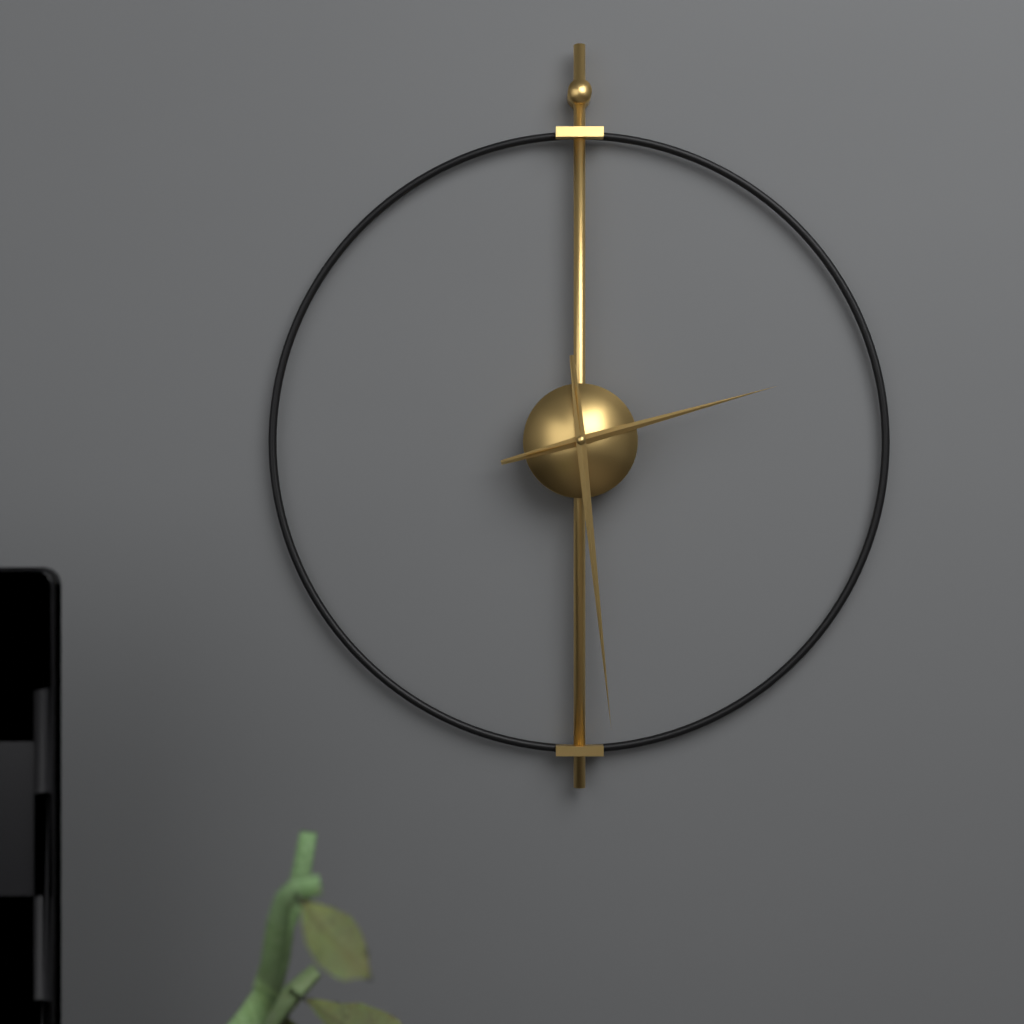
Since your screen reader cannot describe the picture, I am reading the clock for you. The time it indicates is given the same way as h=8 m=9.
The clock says h=2 m=29
